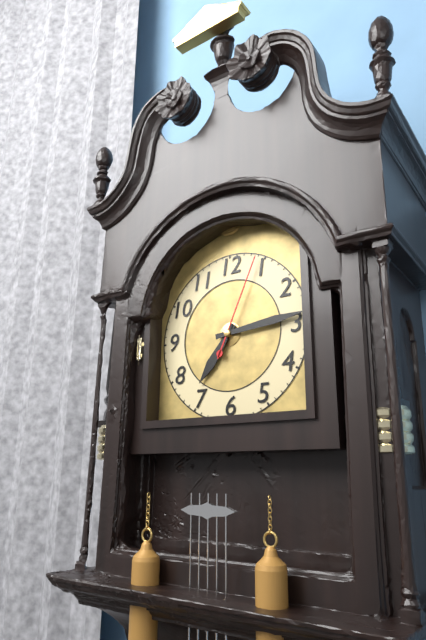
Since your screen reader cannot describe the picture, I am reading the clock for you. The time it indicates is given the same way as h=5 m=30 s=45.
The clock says h=7 m=14 s=4
